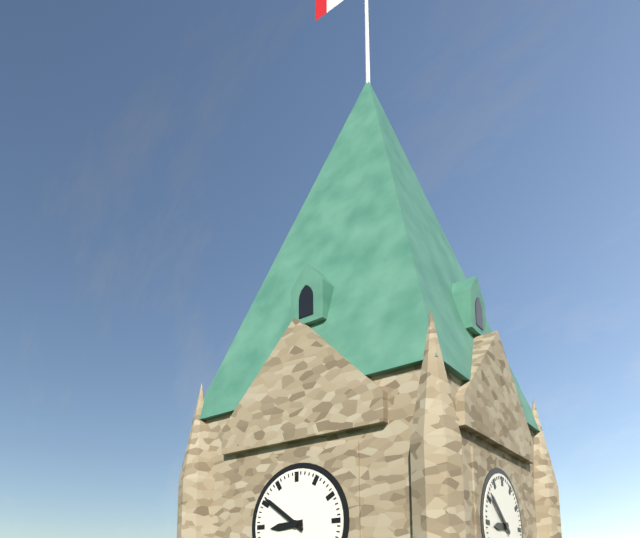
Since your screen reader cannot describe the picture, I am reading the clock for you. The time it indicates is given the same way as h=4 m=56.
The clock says h=8 m=51
